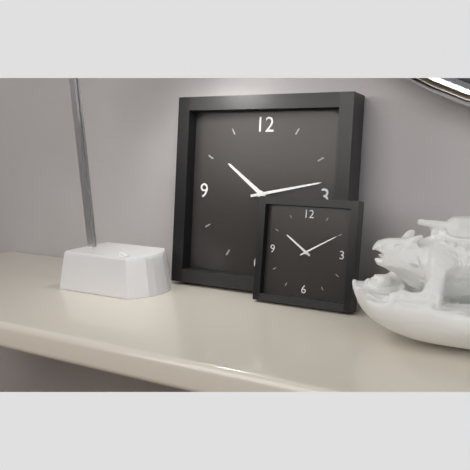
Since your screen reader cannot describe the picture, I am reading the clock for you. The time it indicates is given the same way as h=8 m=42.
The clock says h=10 m=13
